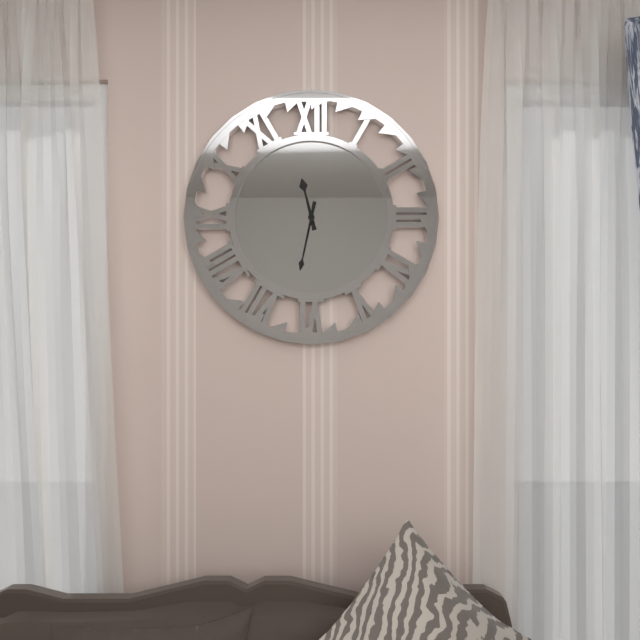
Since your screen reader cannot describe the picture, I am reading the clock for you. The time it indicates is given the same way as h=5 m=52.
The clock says h=11 m=32
